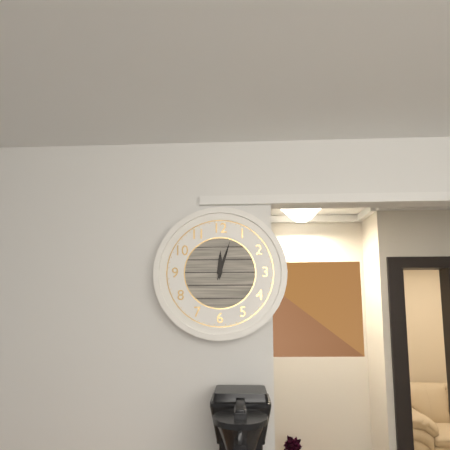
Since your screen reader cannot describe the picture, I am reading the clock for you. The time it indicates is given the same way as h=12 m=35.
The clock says h=12 m=3
